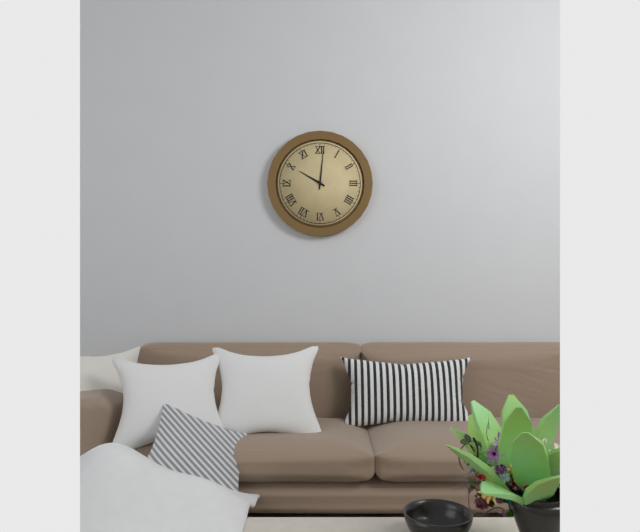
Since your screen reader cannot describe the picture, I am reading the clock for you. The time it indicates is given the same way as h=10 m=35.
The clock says h=10 m=1
